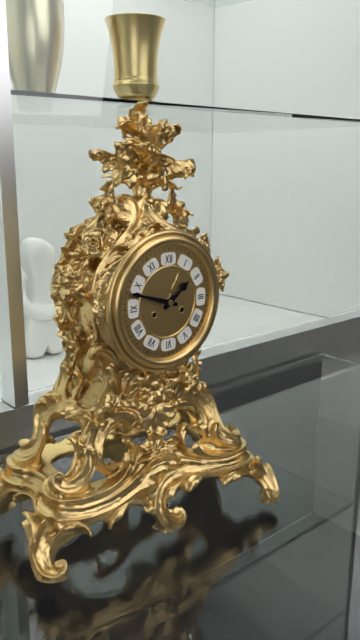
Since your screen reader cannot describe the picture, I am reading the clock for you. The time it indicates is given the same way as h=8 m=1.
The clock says h=1 m=48
